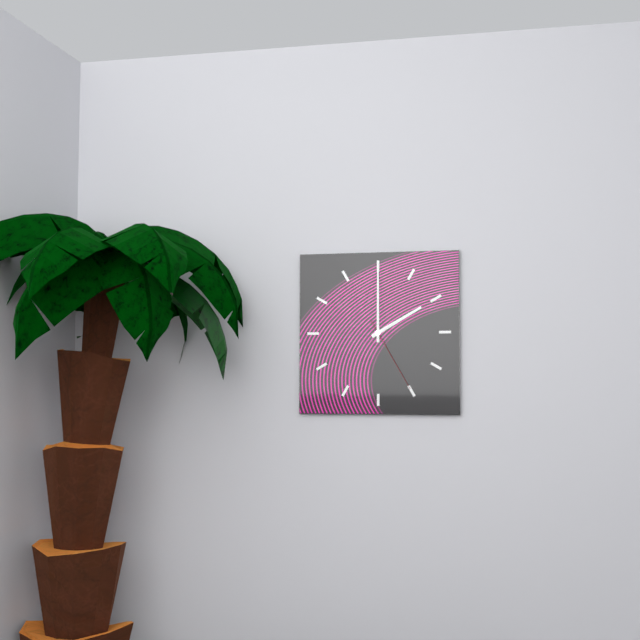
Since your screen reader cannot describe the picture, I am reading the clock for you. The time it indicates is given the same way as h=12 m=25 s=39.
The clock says h=2 m=0 s=25
